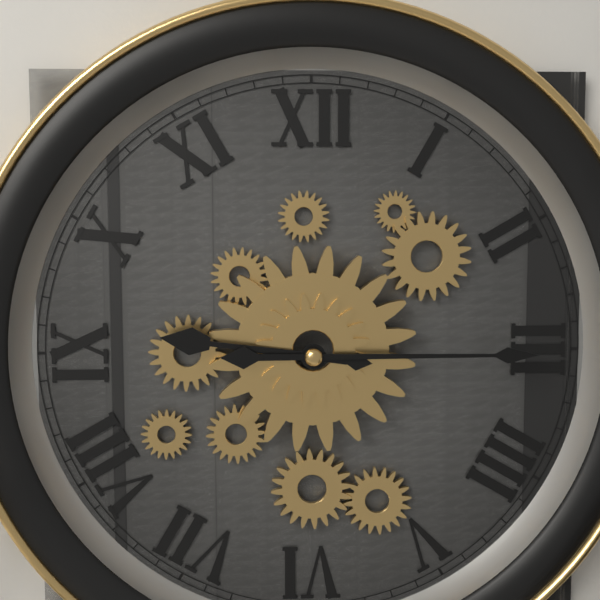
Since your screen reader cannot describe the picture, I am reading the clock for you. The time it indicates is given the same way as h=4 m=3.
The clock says h=9 m=15
